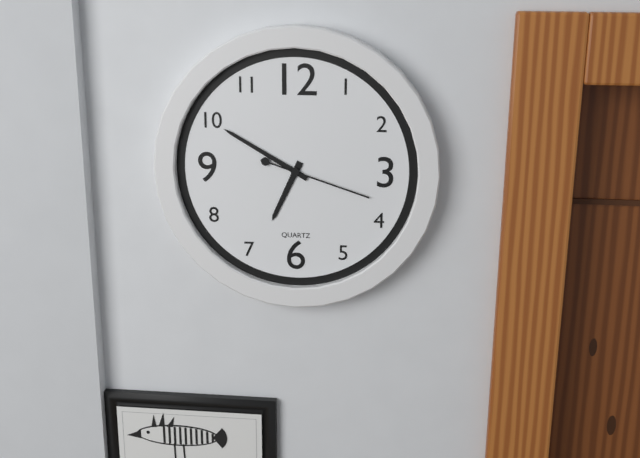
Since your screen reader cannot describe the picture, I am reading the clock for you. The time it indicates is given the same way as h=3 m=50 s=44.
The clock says h=6 m=50 s=18
